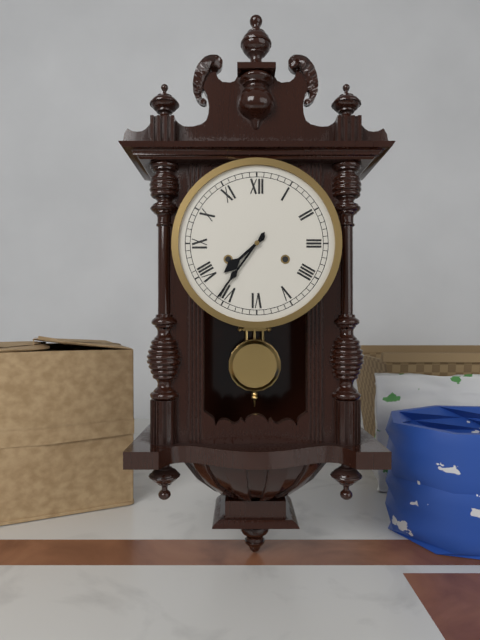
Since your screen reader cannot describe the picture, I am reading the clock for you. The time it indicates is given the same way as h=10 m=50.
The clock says h=7 m=36
